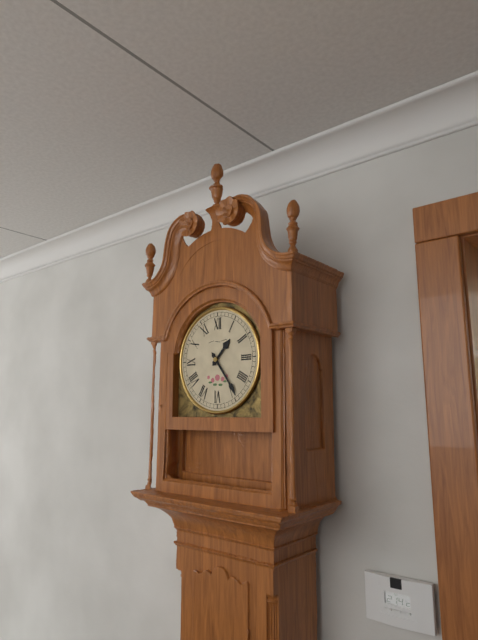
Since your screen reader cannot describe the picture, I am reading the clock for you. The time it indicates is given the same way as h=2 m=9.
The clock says h=1 m=24
